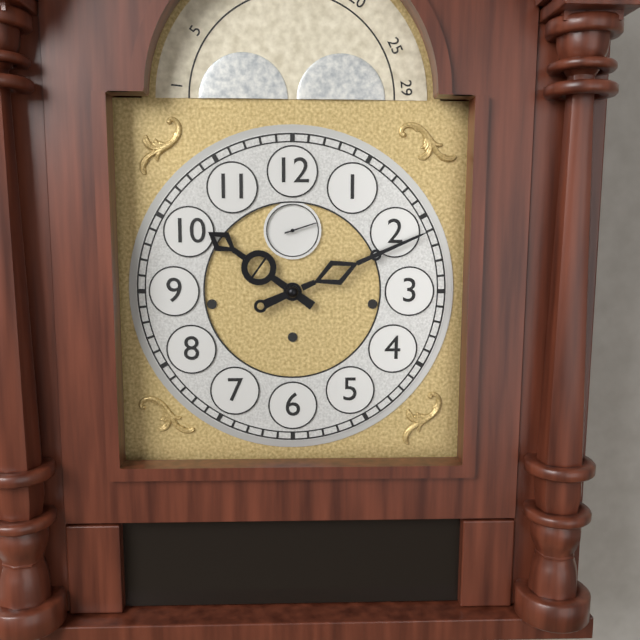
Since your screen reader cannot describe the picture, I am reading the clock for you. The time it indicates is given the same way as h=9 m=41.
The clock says h=10 m=11
